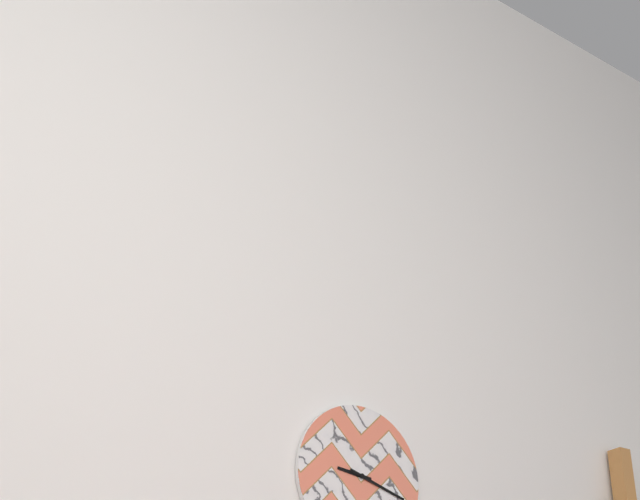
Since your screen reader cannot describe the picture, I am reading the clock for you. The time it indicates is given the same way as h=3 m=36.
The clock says h=9 m=18
